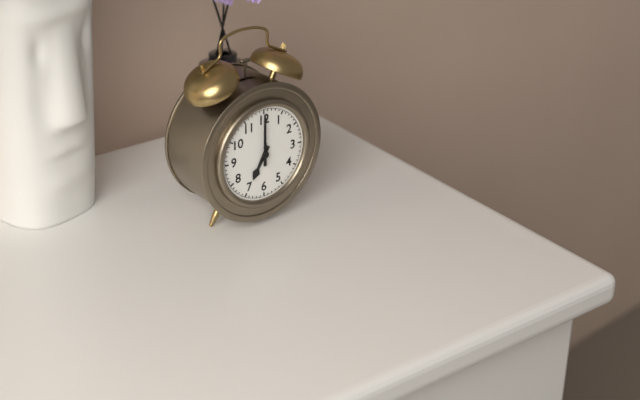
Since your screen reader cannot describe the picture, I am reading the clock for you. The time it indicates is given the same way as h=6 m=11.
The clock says h=7 m=0
